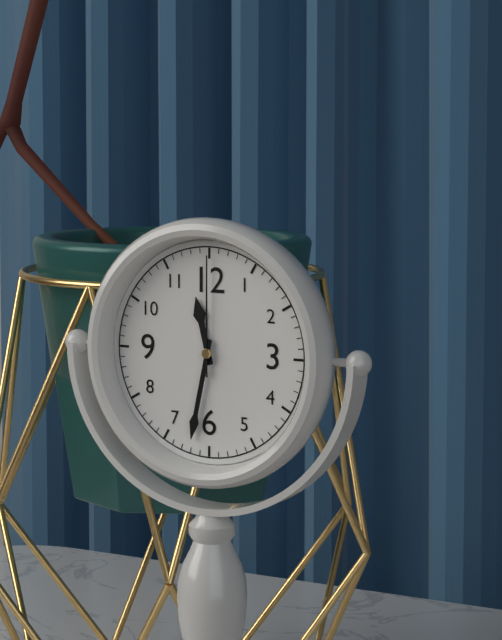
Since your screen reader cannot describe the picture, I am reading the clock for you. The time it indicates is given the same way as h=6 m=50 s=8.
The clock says h=11 m=32 s=0
